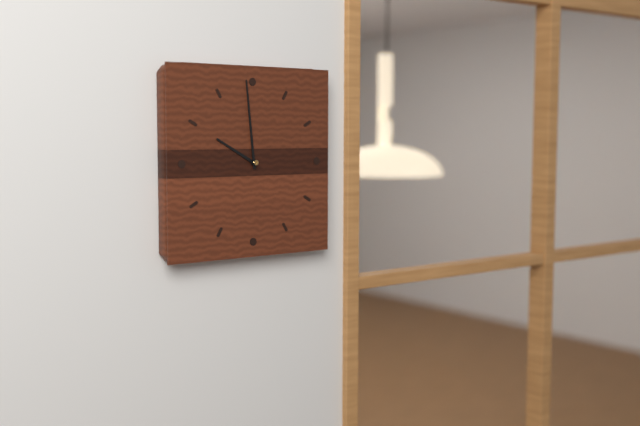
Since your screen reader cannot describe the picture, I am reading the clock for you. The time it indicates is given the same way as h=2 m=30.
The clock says h=9 m=59
